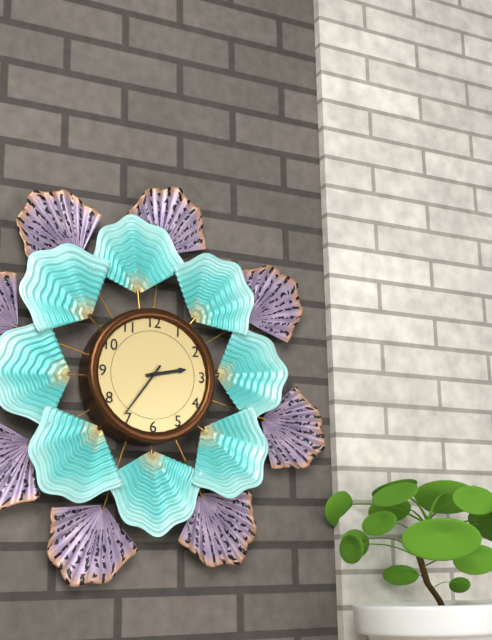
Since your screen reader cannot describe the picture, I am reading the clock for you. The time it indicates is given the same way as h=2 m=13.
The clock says h=2 m=36
